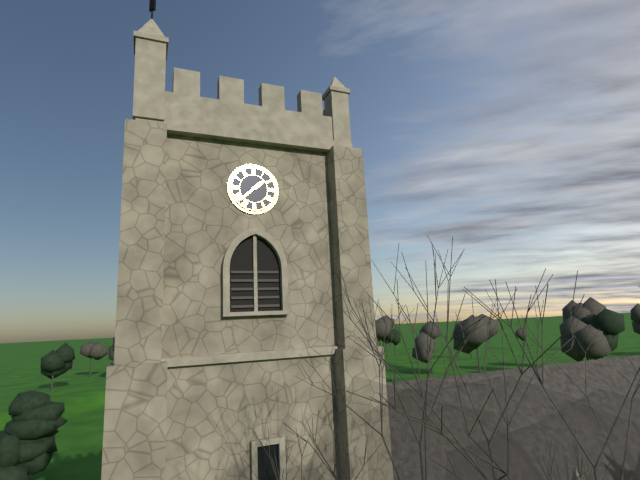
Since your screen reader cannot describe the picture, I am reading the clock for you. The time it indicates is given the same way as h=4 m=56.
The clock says h=1 m=38
